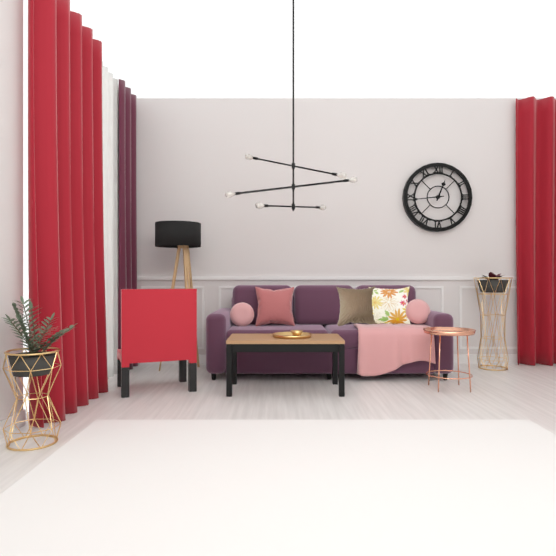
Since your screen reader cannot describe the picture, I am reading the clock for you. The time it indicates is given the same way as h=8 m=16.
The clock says h=12 m=44
